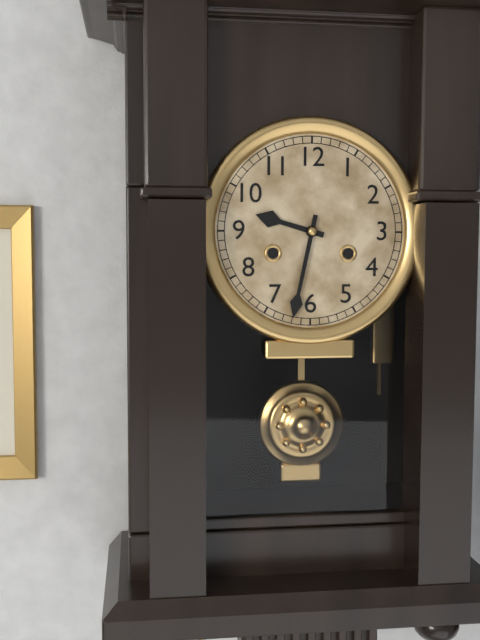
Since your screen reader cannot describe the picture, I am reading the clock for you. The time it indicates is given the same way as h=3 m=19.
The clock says h=9 m=32
